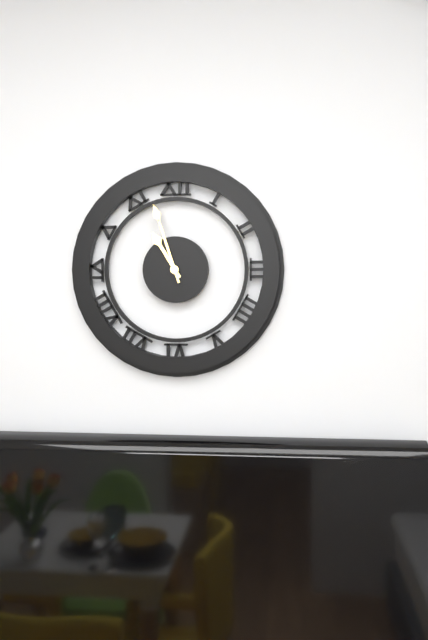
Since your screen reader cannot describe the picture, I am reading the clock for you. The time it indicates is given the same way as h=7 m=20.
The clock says h=10 m=57
